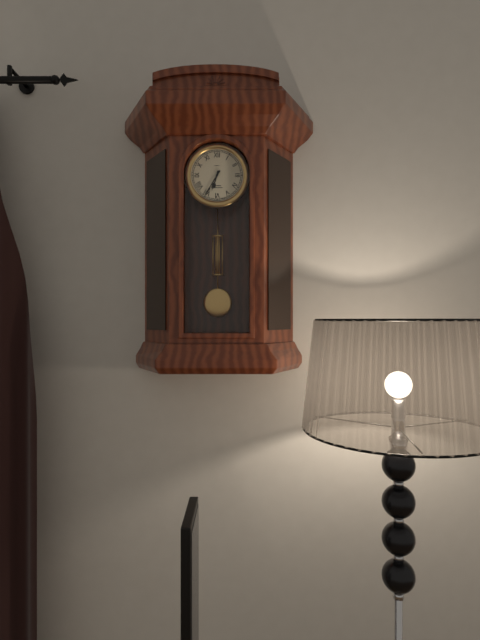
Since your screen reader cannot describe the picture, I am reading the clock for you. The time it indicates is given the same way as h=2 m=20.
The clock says h=6 m=35
